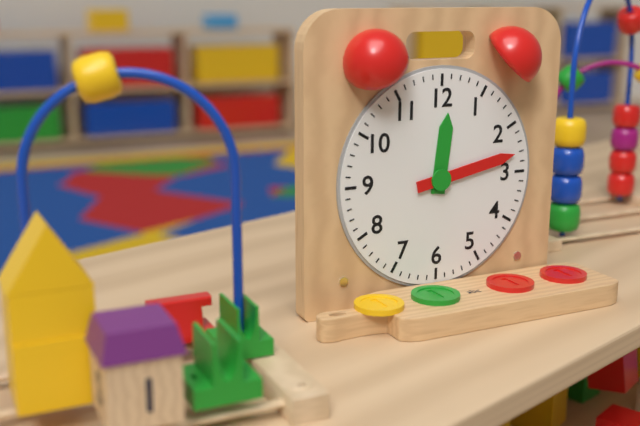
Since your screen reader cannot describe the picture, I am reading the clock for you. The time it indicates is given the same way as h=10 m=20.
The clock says h=12 m=13
